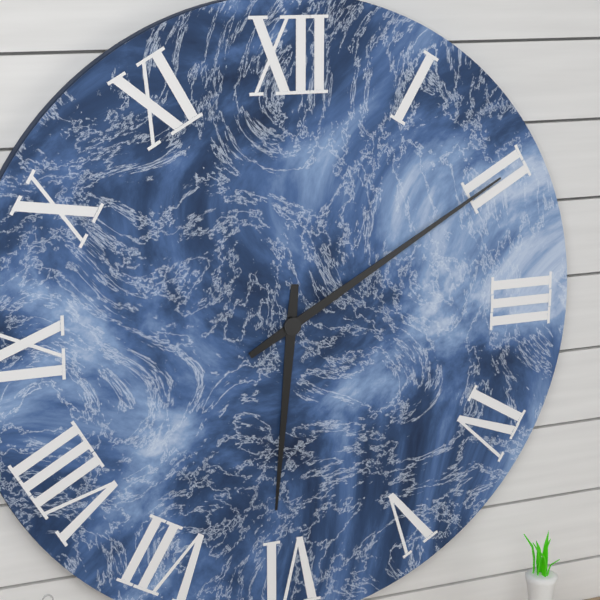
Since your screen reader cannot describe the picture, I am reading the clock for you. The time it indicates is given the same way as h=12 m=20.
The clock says h=6 m=10
